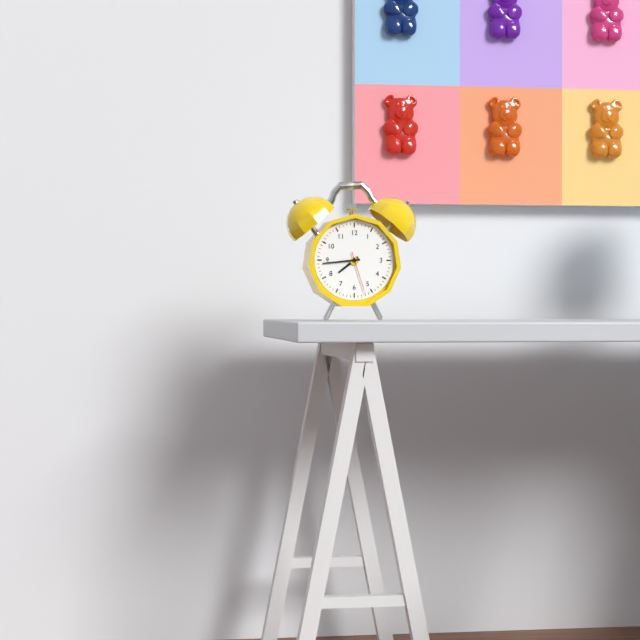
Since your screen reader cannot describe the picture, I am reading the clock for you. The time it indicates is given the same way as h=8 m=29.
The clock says h=7 m=44
